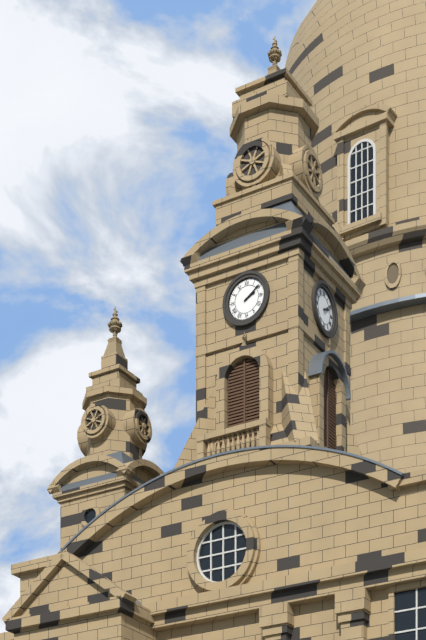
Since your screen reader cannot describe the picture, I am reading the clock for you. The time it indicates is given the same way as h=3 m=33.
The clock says h=2 m=9
